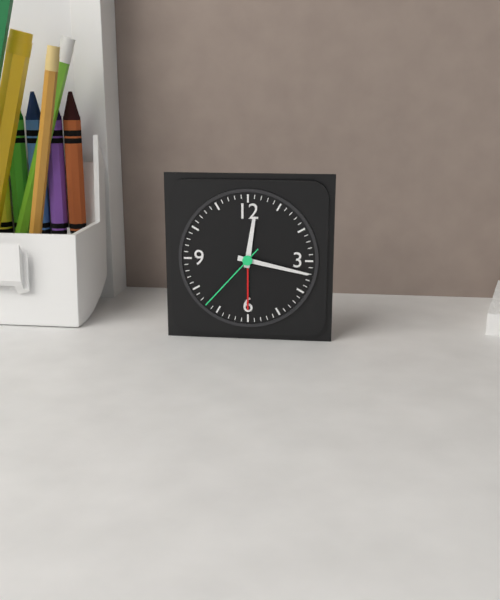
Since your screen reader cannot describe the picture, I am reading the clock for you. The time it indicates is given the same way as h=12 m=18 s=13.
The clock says h=12 m=17 s=37
